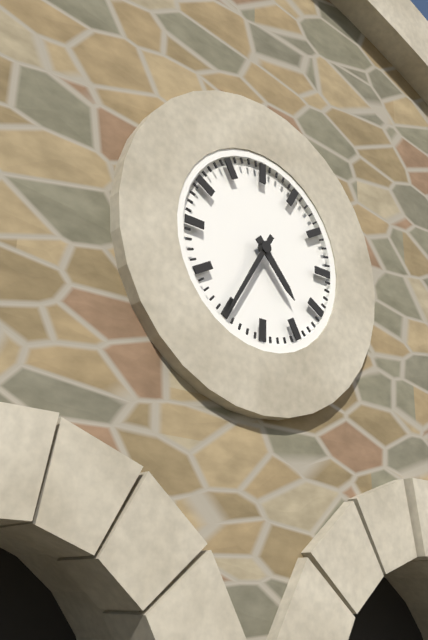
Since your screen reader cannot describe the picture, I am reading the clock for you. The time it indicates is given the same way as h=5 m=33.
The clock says h=4 m=35
